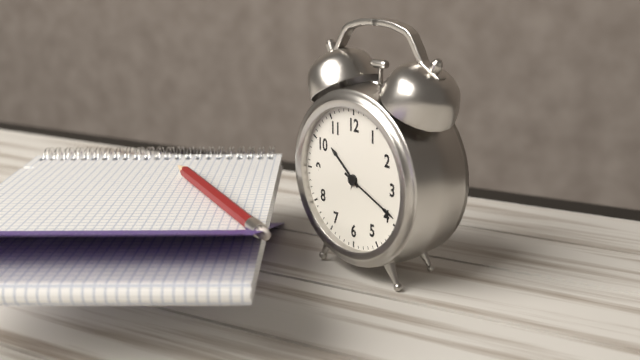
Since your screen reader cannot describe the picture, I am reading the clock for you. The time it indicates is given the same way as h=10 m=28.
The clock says h=10 m=19
